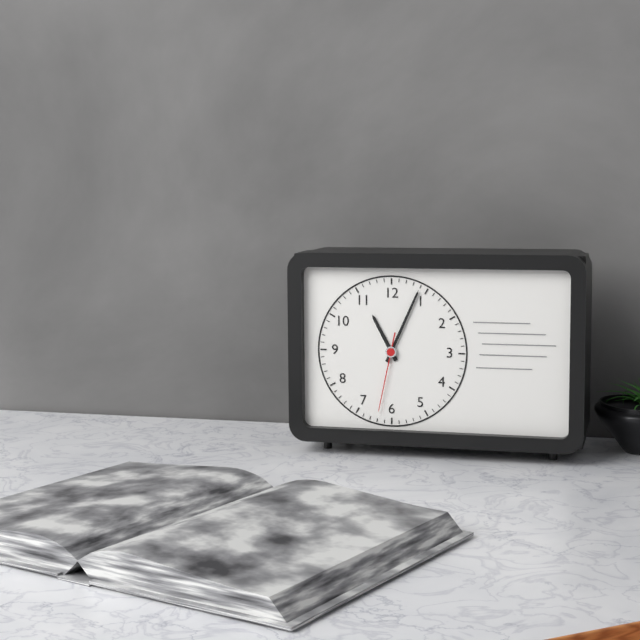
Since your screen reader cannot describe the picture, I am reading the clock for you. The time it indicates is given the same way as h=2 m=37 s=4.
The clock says h=11 m=4 s=32
